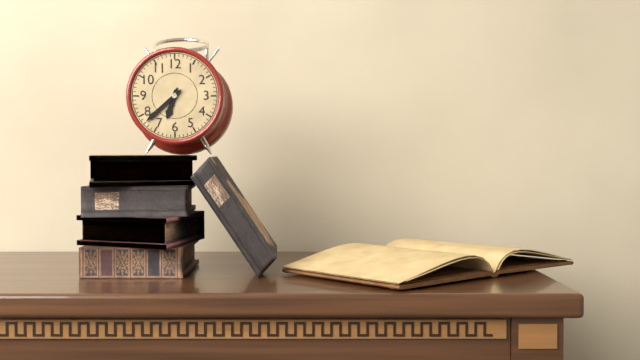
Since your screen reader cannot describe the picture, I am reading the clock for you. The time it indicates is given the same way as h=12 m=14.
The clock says h=6 m=38
